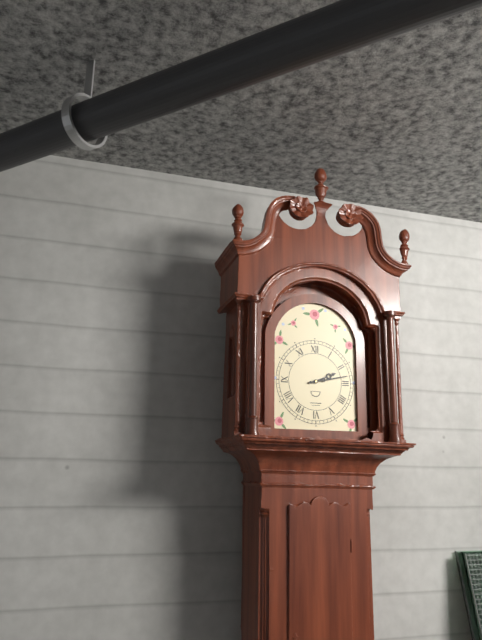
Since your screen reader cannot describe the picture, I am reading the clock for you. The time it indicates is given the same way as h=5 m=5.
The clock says h=2 m=13
